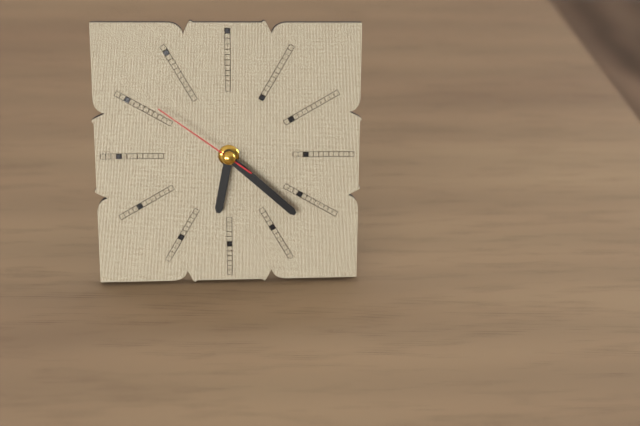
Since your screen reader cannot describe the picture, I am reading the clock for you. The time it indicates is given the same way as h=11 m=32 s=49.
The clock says h=6 m=22 s=51
